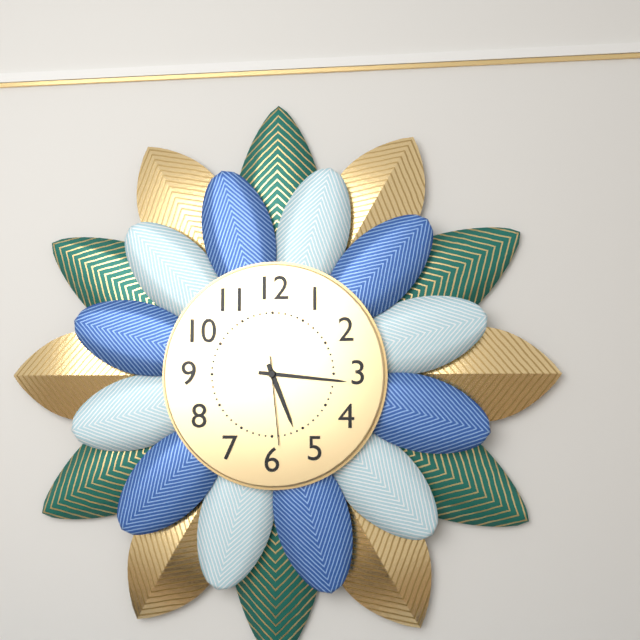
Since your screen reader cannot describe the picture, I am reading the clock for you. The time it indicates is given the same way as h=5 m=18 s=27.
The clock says h=5 m=16 s=29
